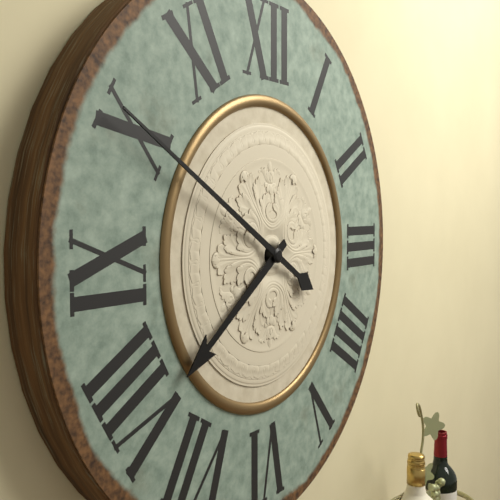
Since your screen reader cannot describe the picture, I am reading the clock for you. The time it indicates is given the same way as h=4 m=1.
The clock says h=7 m=50
